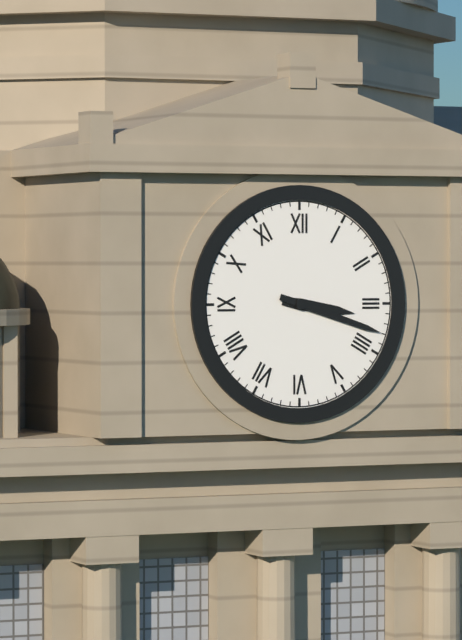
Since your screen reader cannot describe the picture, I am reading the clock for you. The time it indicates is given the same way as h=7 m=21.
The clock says h=3 m=18
